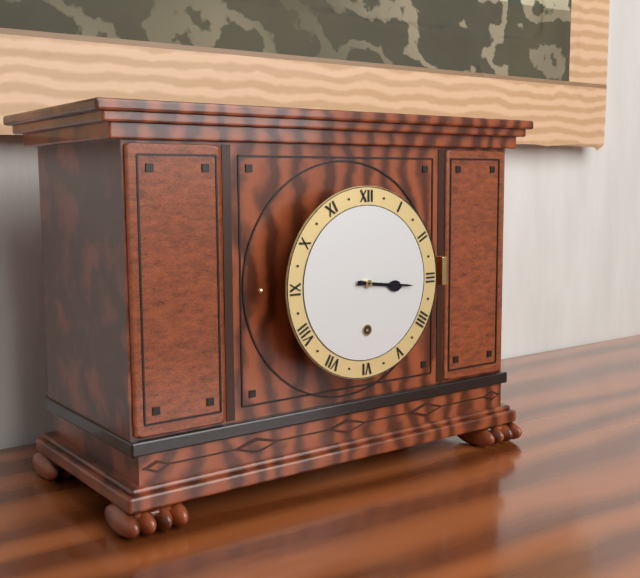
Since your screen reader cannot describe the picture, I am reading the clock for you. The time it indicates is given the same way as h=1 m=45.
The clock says h=3 m=16
